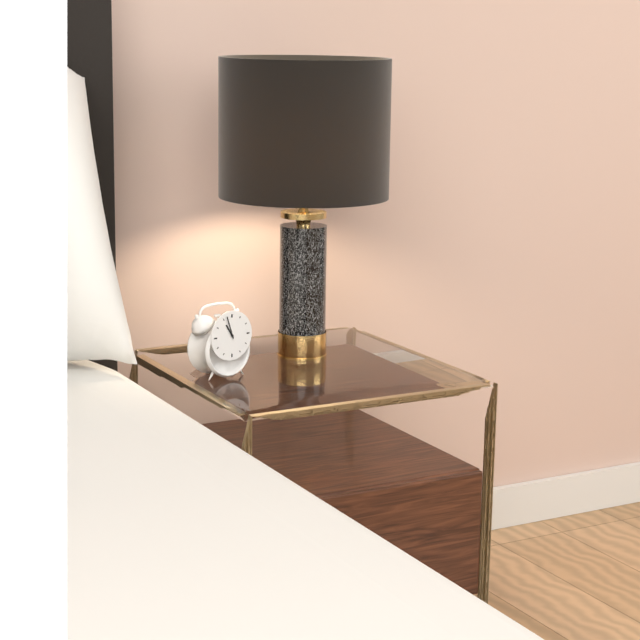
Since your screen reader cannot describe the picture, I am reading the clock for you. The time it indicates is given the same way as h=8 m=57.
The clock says h=10 m=57
